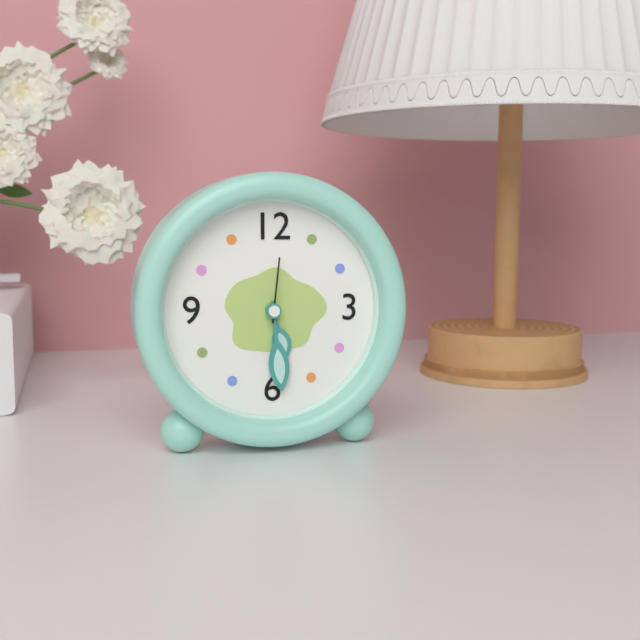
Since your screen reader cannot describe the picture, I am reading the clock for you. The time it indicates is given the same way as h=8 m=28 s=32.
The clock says h=5 m=29 s=1
